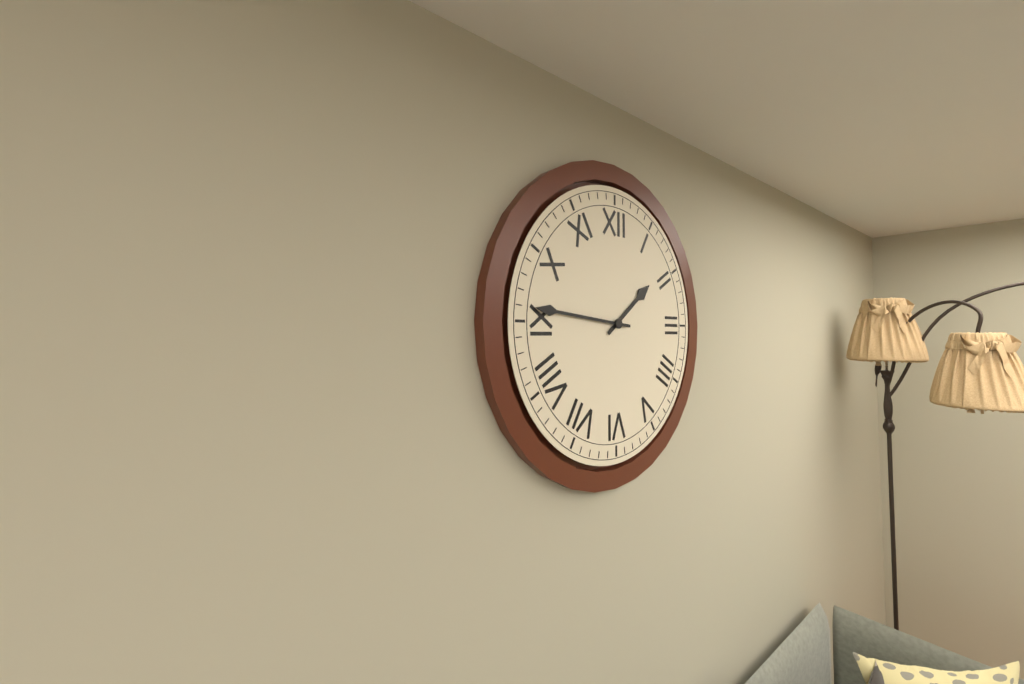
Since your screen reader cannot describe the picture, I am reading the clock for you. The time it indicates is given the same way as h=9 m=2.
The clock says h=1 m=46
